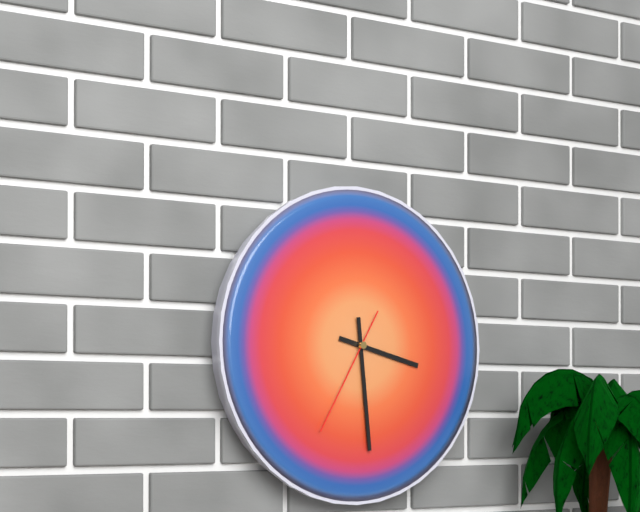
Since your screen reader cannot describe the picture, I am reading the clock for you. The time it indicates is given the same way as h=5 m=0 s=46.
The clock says h=3 m=29 s=35
